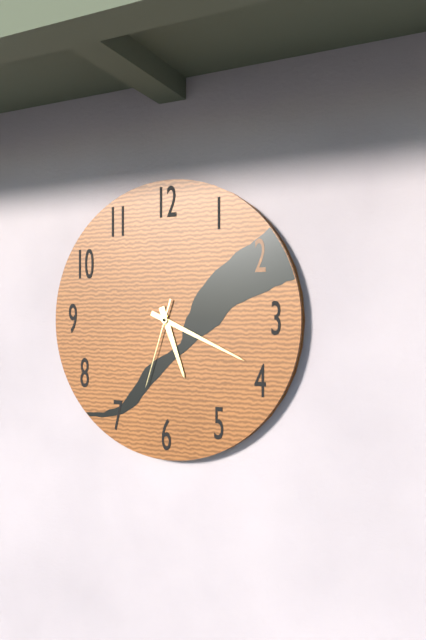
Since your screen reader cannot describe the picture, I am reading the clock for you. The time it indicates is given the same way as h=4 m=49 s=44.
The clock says h=5 m=19 s=33
